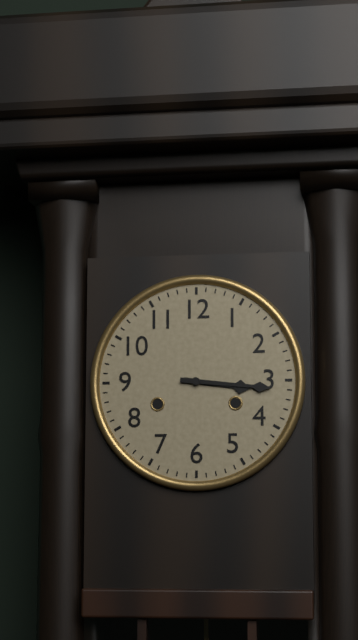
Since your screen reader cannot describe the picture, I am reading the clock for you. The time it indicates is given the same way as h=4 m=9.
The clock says h=3 m=16
